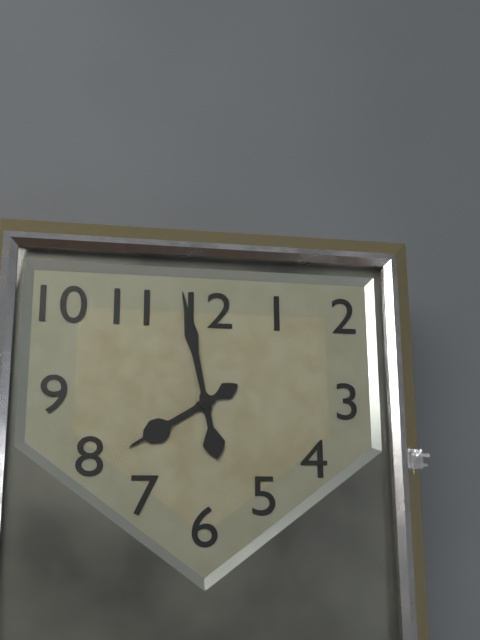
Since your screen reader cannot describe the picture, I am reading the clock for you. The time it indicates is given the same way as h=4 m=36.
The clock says h=7 m=58
